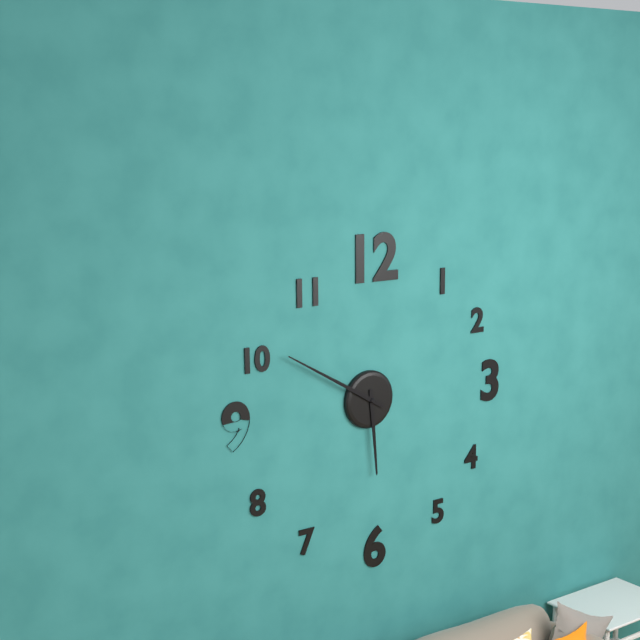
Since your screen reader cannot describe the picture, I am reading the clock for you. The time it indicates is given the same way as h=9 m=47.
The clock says h=5 m=50
